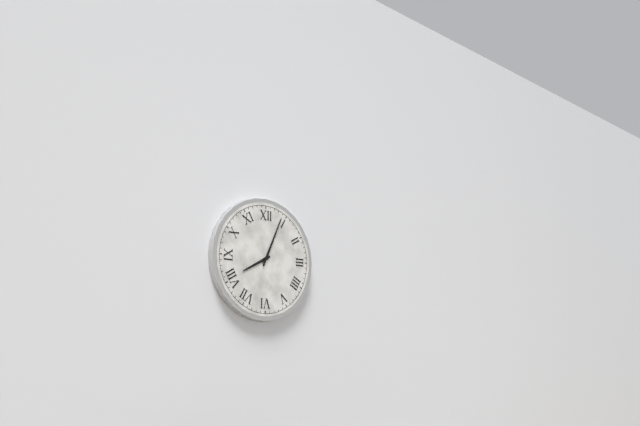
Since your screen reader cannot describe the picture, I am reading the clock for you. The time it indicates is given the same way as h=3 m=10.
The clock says h=8 m=4
